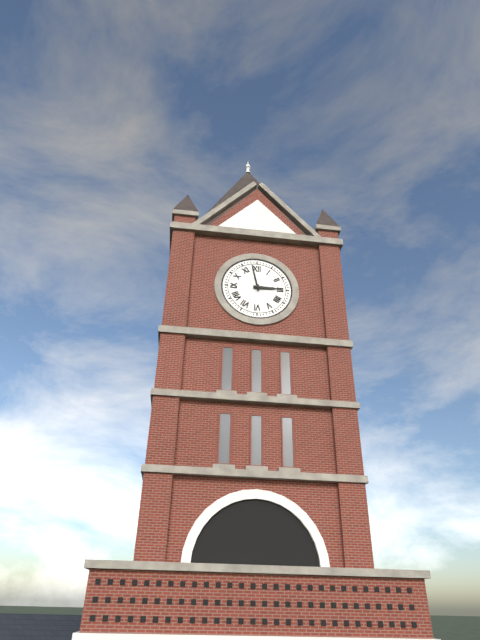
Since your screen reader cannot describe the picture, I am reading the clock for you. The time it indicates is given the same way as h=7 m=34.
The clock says h=2 m=58
